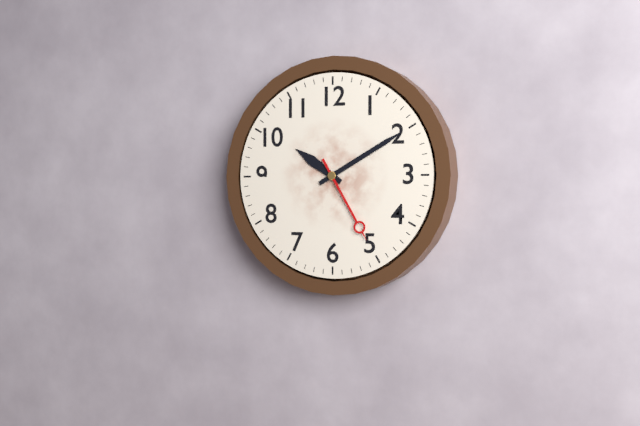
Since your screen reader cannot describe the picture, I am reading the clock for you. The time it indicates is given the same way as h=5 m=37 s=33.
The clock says h=10 m=10 s=25
